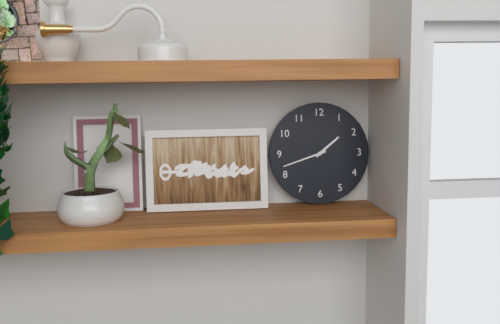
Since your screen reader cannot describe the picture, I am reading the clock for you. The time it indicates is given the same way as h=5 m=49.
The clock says h=1 m=42
